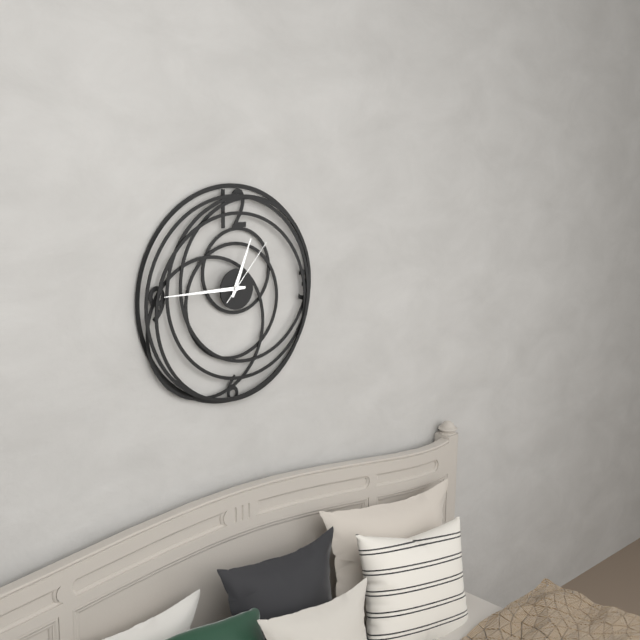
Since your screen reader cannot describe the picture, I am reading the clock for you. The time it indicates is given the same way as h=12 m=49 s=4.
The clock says h=12 m=45 s=7
